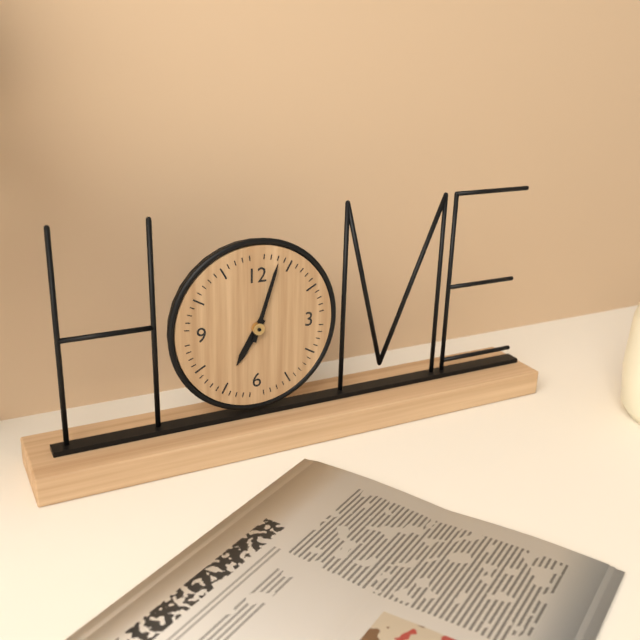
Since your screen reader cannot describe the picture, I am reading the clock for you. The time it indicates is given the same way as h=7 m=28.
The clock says h=7 m=3
